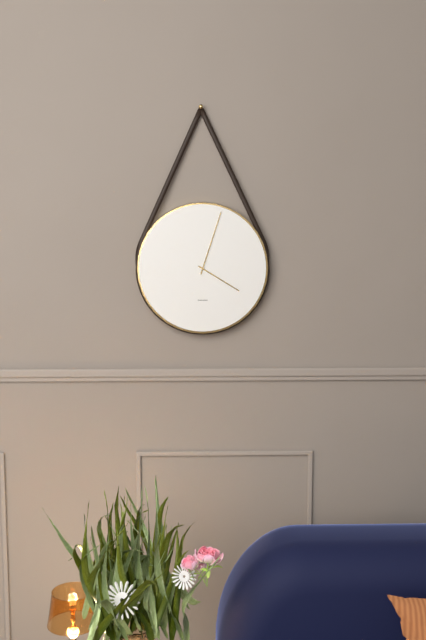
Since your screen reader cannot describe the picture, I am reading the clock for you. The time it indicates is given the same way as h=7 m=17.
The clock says h=4 m=3
